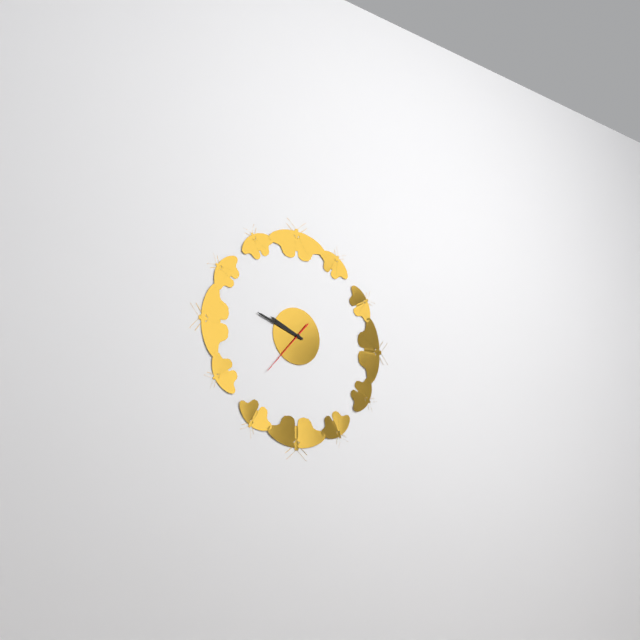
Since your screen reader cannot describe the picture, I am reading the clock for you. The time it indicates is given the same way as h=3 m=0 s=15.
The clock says h=9 m=48 s=37
